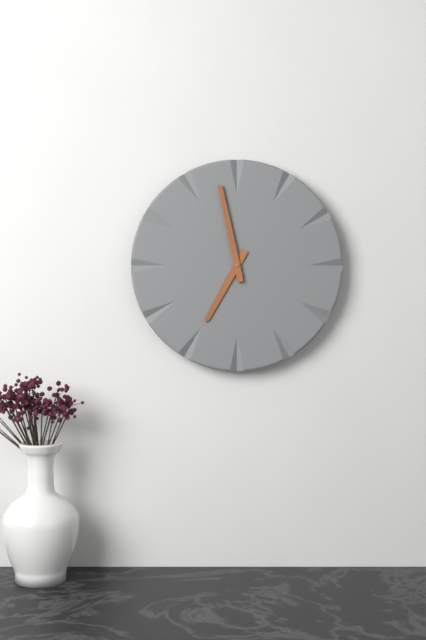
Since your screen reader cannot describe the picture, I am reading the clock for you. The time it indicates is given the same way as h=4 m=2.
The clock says h=6 m=58
